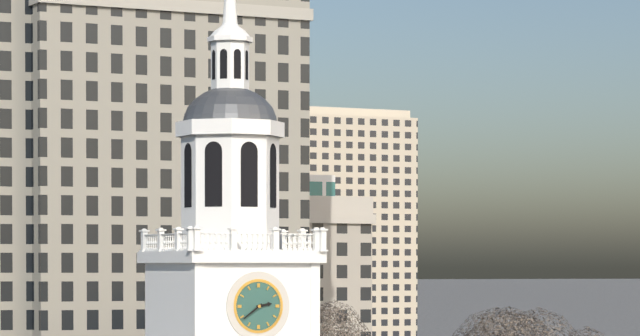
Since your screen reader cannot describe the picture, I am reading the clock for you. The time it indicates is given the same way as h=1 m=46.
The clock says h=2 m=39
